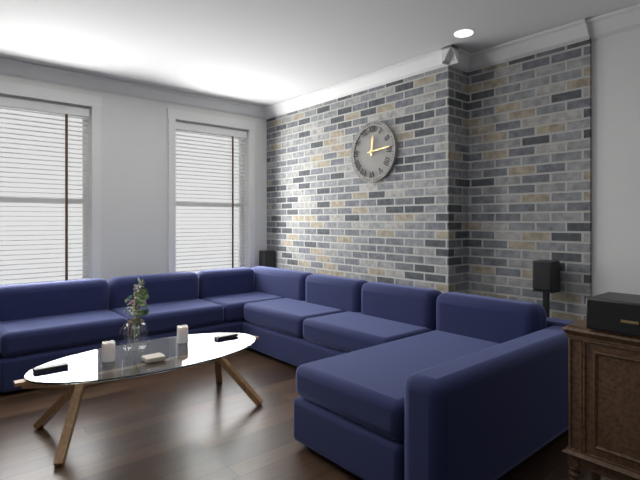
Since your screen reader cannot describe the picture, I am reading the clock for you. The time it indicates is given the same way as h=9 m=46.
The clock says h=12 m=14
